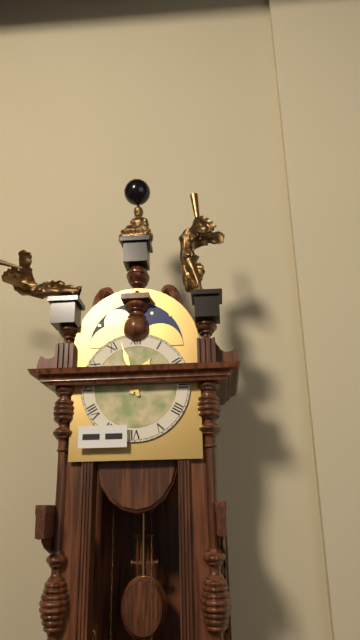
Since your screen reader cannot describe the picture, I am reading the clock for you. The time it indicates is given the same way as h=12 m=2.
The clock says h=12 m=57
